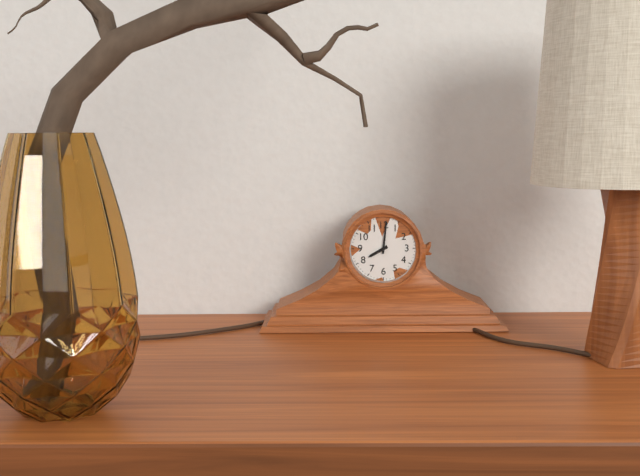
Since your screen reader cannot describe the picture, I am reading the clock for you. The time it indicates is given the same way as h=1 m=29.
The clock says h=8 m=1
